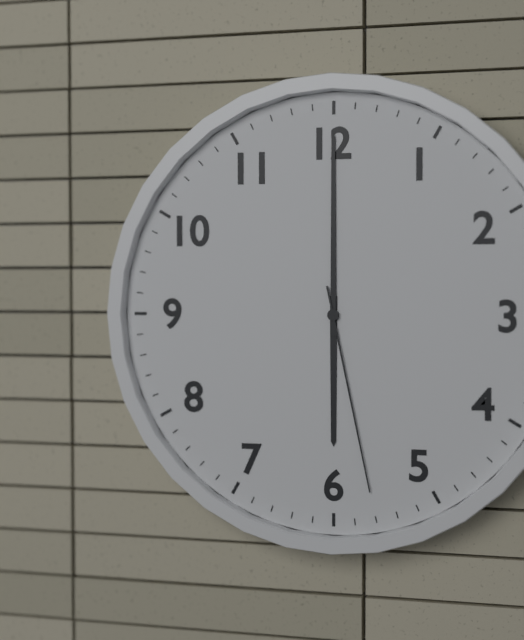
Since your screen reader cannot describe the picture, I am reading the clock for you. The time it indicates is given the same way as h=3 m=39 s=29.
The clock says h=6 m=0 s=28
